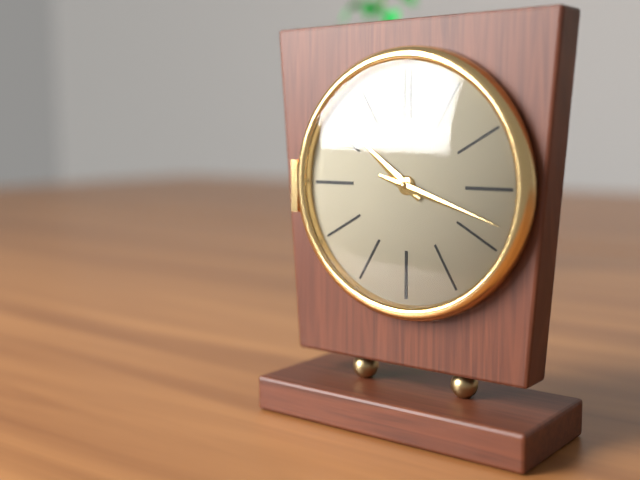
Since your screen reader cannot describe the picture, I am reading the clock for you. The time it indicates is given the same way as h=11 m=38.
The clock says h=10 m=18
